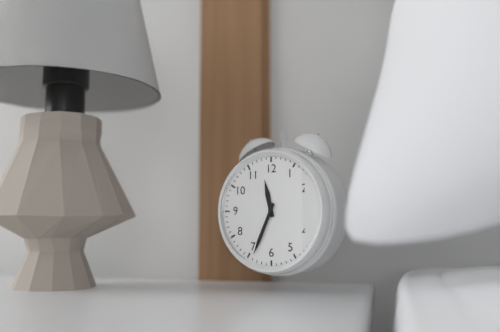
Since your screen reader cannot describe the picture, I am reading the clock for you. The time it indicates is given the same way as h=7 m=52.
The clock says h=11 m=34
